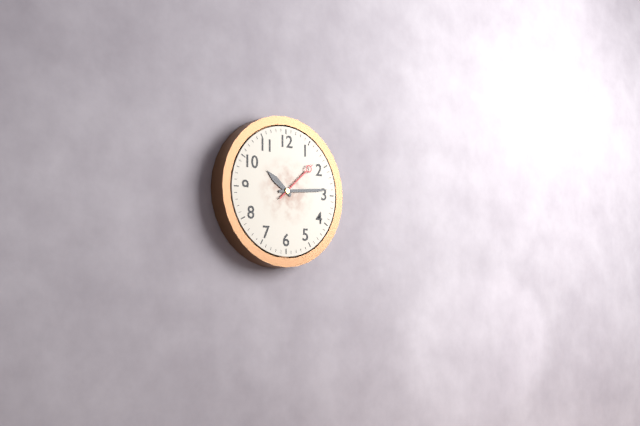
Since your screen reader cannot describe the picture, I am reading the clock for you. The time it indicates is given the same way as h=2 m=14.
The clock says h=10 m=14
